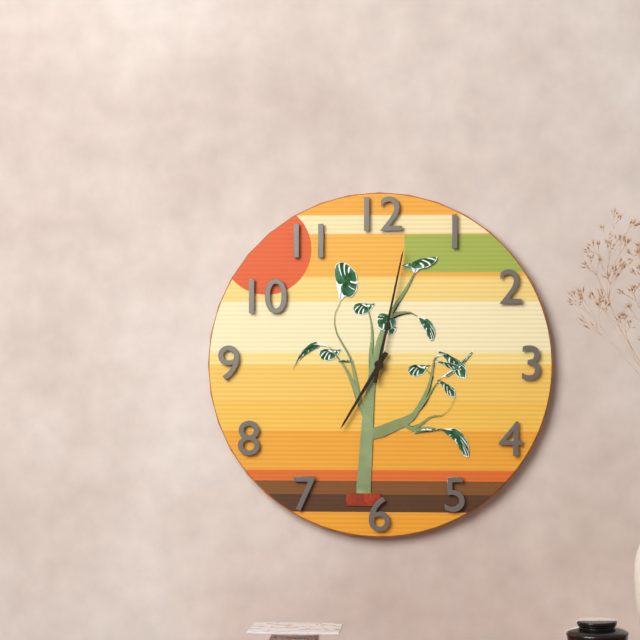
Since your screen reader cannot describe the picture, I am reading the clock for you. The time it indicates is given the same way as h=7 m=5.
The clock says h=7 m=2
